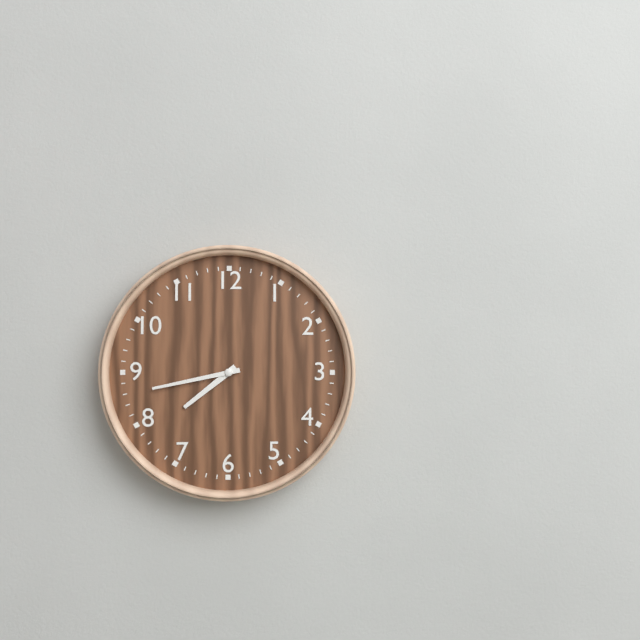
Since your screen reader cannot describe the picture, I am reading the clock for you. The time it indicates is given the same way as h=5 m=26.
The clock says h=7 m=43
